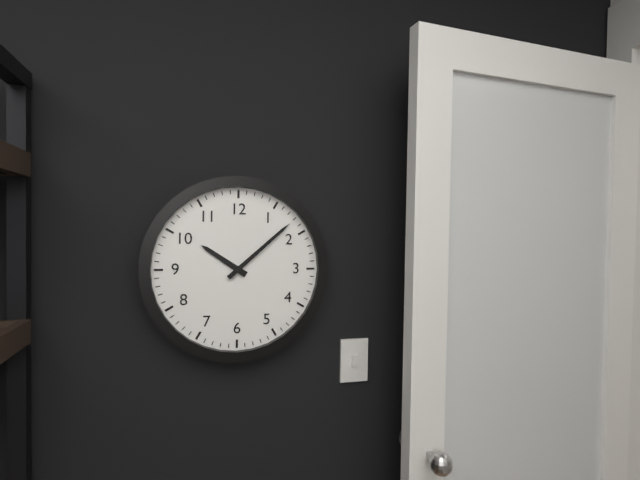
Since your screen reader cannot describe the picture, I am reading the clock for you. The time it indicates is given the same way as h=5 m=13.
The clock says h=10 m=8
